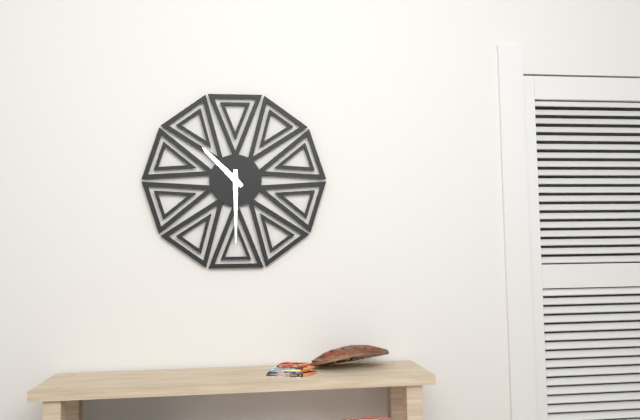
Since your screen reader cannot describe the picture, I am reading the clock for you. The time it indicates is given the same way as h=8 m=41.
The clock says h=10 m=30
